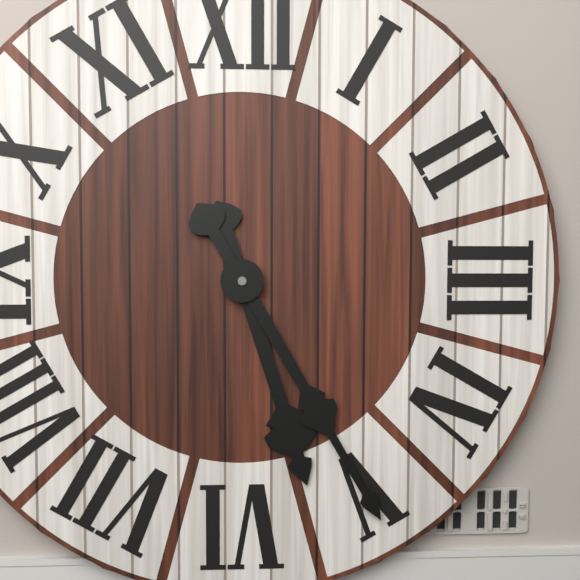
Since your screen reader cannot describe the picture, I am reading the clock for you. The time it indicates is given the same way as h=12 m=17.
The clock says h=5 m=25
